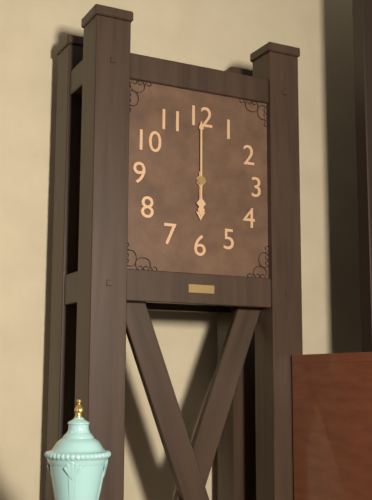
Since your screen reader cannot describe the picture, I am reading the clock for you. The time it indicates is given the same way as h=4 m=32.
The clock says h=6 m=0
